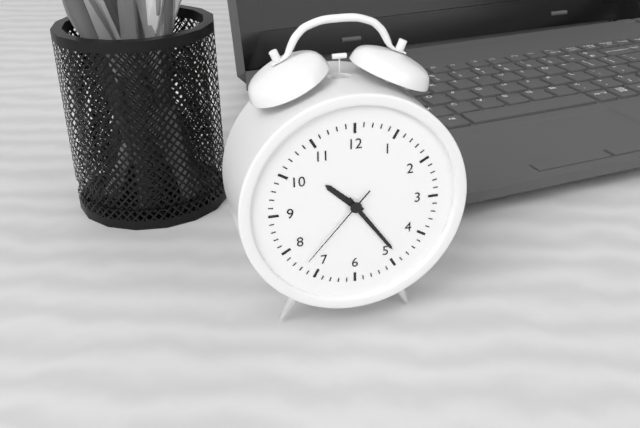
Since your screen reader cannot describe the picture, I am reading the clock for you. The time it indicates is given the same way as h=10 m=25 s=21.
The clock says h=10 m=24 s=37
